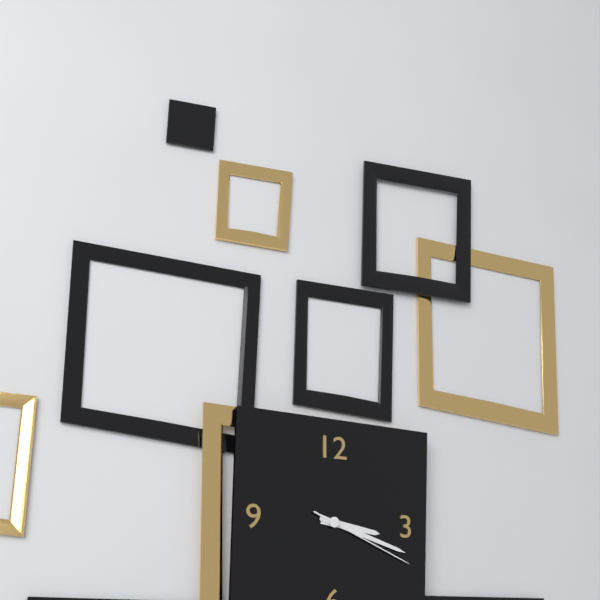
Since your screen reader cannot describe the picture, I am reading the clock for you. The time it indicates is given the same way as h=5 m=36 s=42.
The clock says h=3 m=18 s=19
